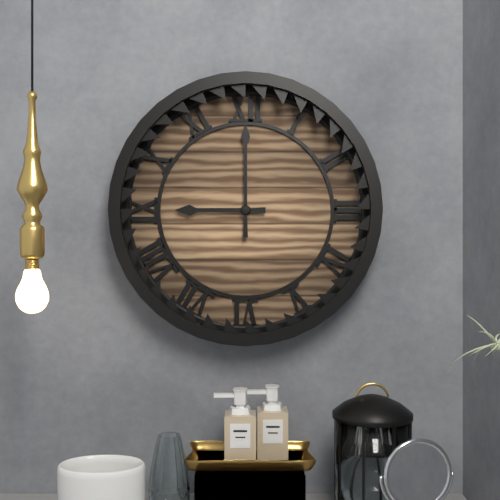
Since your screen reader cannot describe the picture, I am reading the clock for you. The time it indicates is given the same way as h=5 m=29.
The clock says h=9 m=0
